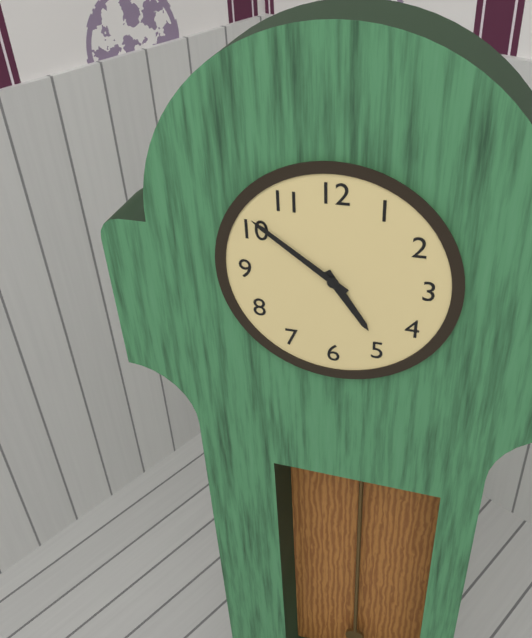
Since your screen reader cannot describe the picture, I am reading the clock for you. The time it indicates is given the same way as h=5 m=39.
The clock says h=4 m=51
